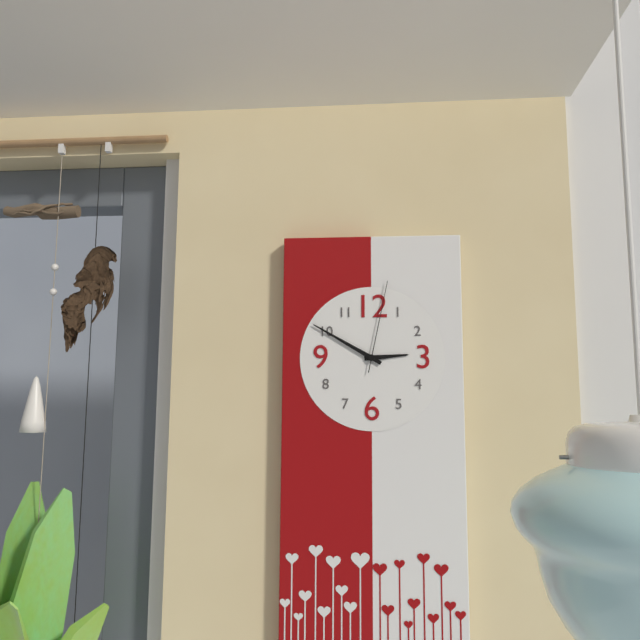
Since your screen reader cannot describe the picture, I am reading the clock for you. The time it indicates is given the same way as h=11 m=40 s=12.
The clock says h=2 m=50 s=2
